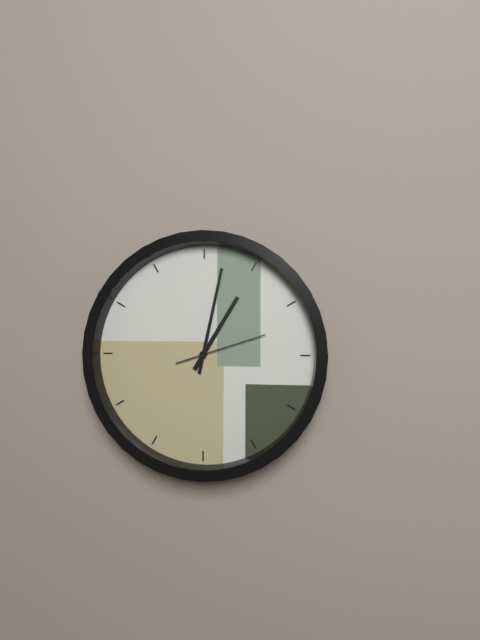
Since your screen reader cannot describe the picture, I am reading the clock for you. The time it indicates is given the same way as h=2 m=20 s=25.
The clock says h=1 m=2 s=12
